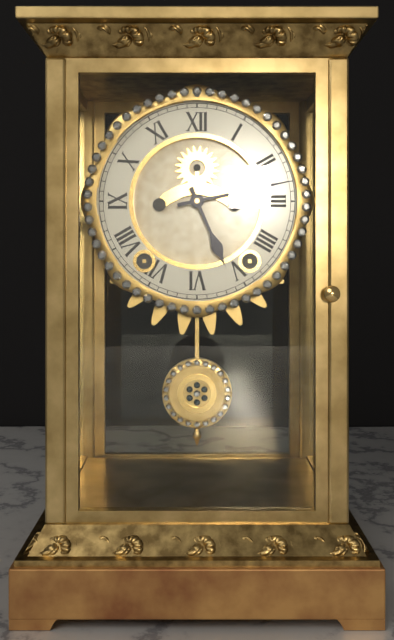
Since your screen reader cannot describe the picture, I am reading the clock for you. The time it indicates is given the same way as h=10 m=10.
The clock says h=5 m=13
